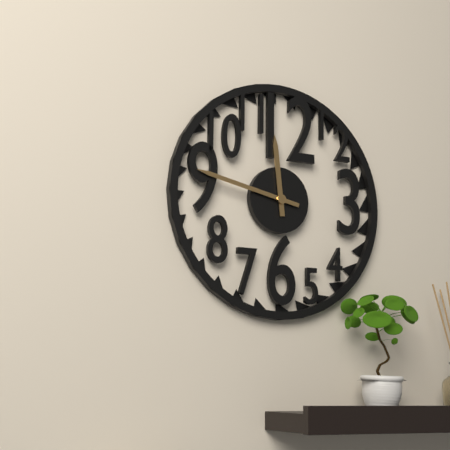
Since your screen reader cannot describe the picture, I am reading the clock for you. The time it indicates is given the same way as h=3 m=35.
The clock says h=11 m=47
